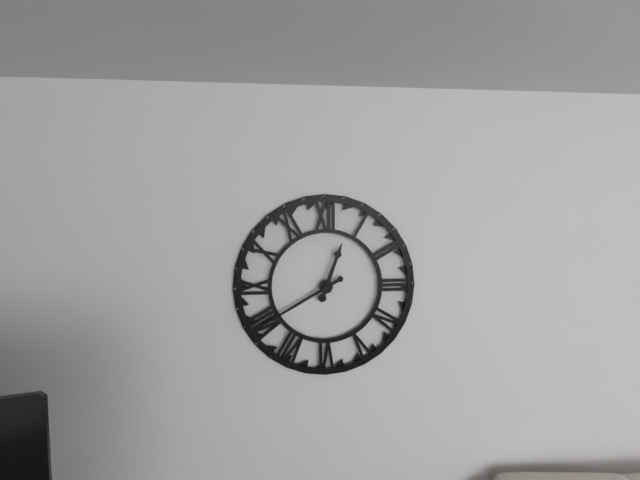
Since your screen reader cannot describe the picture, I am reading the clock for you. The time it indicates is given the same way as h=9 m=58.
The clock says h=12 m=40
